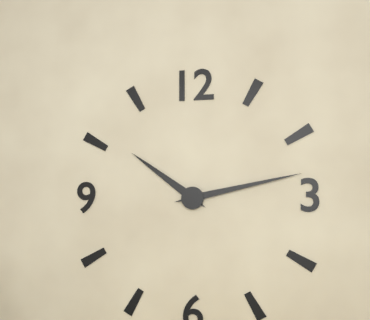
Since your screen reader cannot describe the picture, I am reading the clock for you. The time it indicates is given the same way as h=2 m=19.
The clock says h=10 m=13
